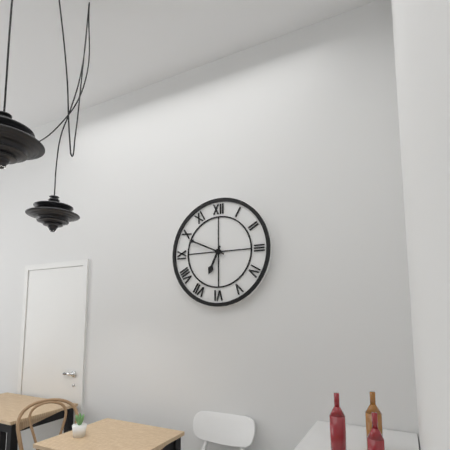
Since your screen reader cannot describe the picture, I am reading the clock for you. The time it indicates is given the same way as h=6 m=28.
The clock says h=6 m=49
